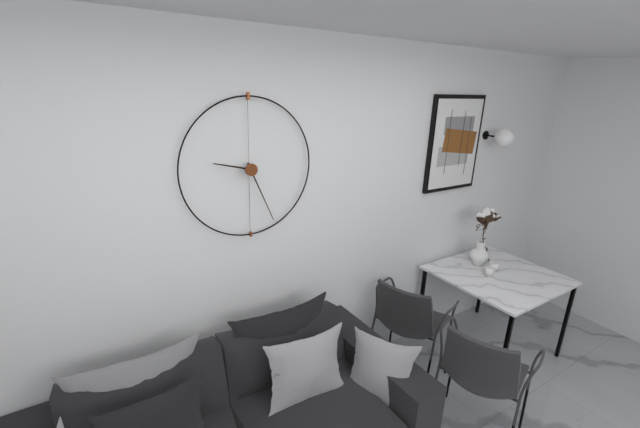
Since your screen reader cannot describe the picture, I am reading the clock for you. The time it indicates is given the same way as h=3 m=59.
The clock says h=9 m=26
